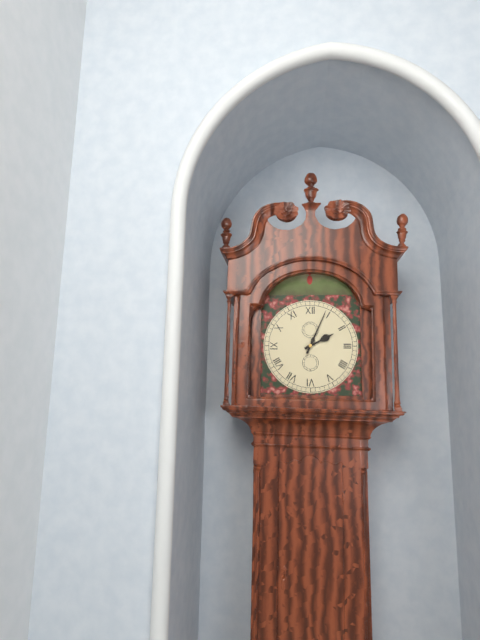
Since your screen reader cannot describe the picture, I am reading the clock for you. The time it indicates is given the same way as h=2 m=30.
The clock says h=2 m=4
